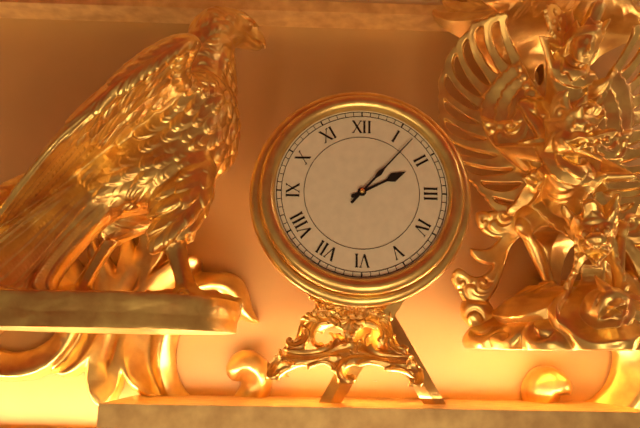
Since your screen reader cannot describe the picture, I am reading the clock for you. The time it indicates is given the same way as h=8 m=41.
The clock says h=2 m=7
